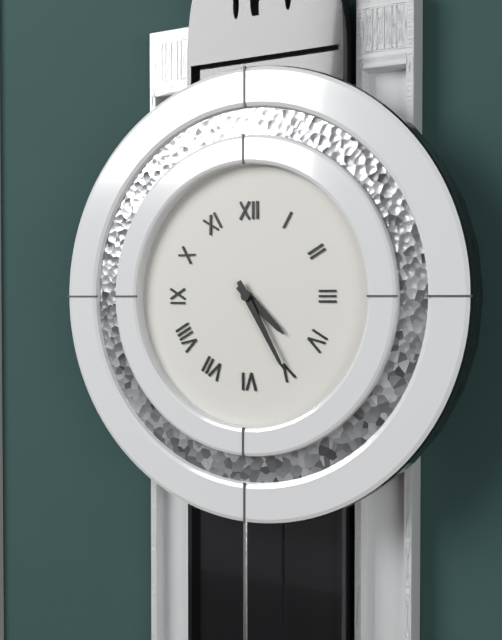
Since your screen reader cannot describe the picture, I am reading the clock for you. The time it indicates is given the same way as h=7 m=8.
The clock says h=4 m=25
